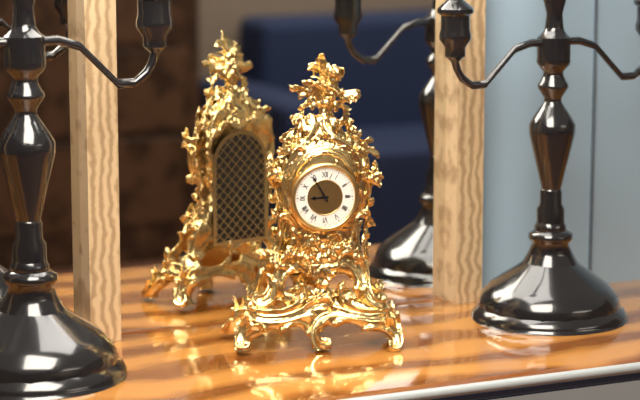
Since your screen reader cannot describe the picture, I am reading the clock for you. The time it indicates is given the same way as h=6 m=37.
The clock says h=8 m=55
